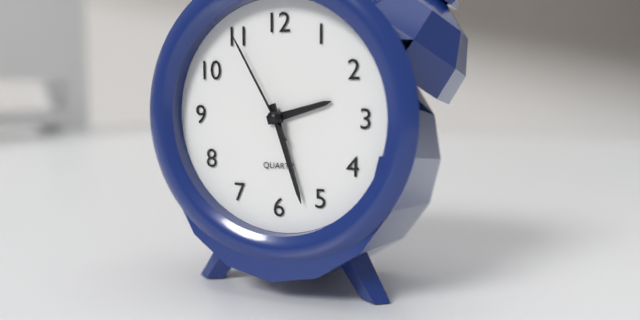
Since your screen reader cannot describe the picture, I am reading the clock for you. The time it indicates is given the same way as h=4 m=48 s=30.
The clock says h=2 m=27 s=55
